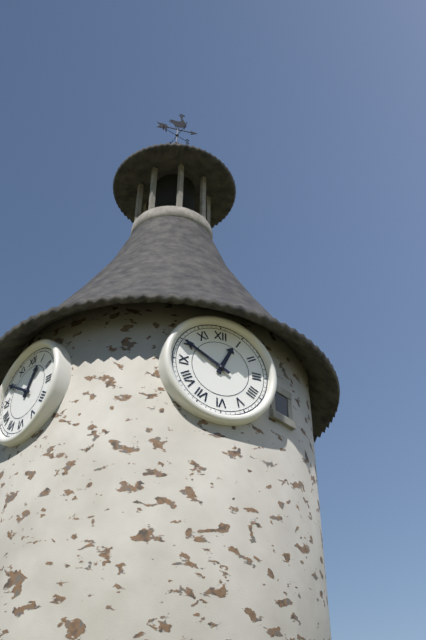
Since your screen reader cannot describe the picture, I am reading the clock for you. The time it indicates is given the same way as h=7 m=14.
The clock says h=12 m=50
